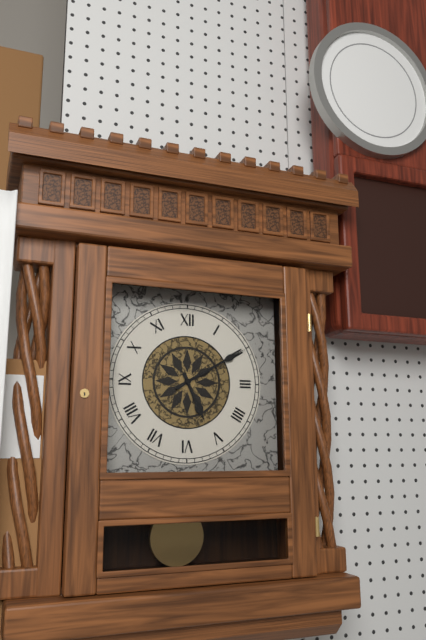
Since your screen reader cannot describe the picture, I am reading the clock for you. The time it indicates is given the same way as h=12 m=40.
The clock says h=5 m=10
